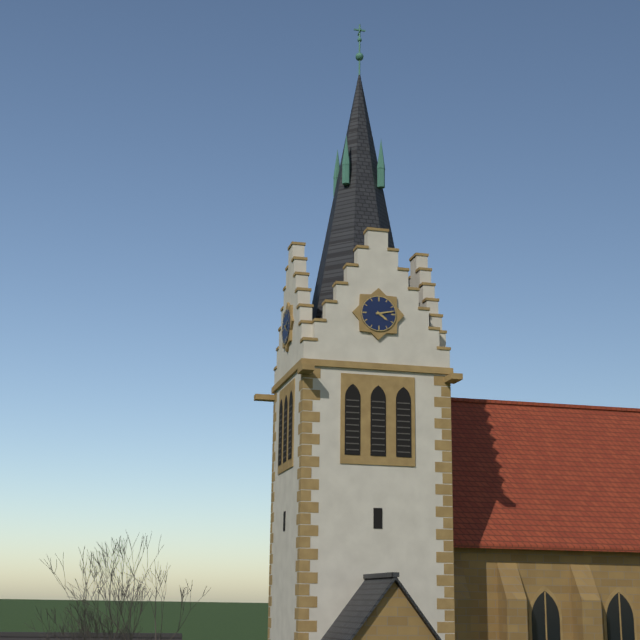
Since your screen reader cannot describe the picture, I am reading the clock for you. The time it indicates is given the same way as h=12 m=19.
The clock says h=4 m=13
